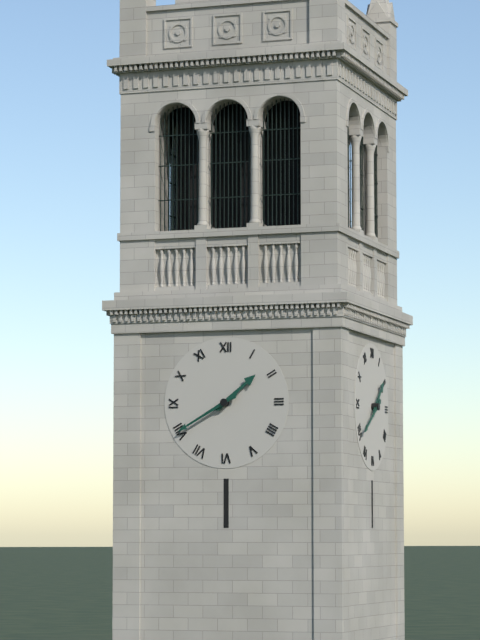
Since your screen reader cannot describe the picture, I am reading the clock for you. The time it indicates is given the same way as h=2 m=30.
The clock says h=1 m=40
